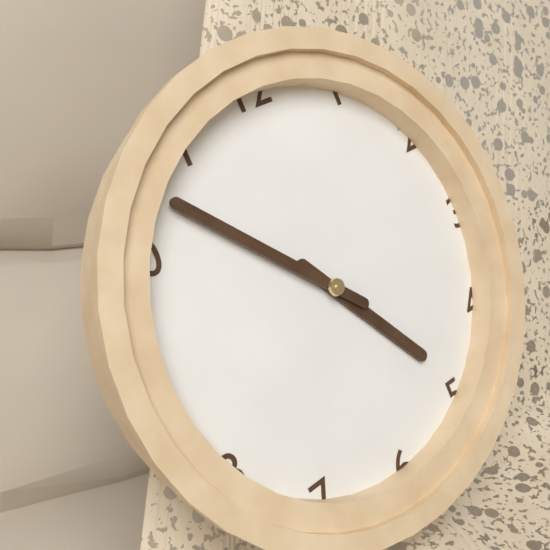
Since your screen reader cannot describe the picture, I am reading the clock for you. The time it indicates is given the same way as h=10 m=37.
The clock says h=4 m=53
